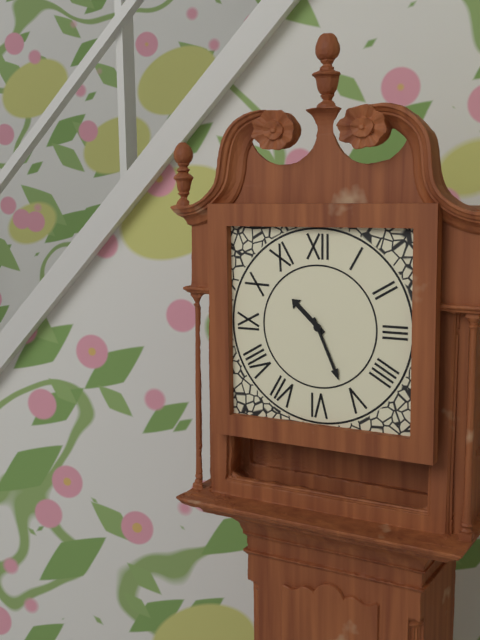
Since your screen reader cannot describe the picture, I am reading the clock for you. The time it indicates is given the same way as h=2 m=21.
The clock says h=10 m=26
